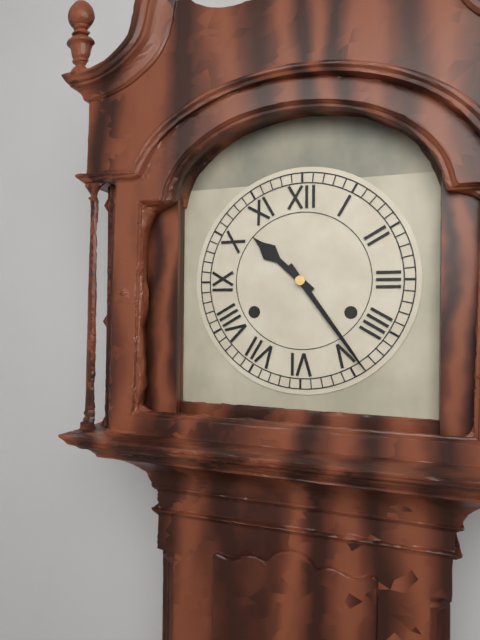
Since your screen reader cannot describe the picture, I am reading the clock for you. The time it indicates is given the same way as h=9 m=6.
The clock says h=10 m=24
